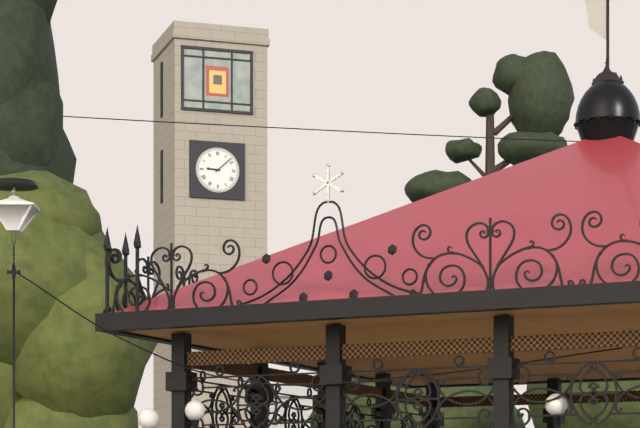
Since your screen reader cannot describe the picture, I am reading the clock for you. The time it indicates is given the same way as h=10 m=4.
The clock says h=9 m=8
